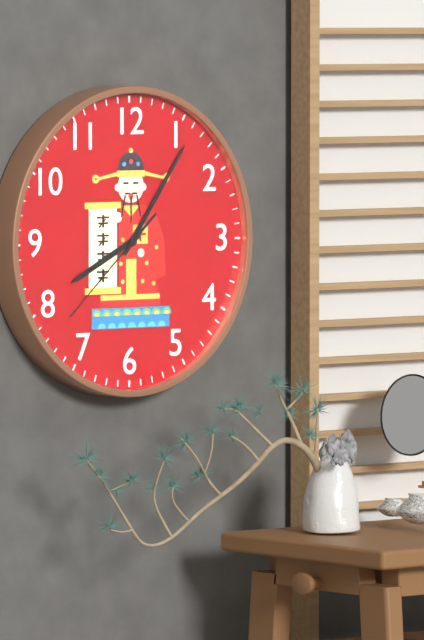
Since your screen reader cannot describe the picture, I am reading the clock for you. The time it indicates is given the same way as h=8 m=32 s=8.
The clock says h=8 m=6 s=38
